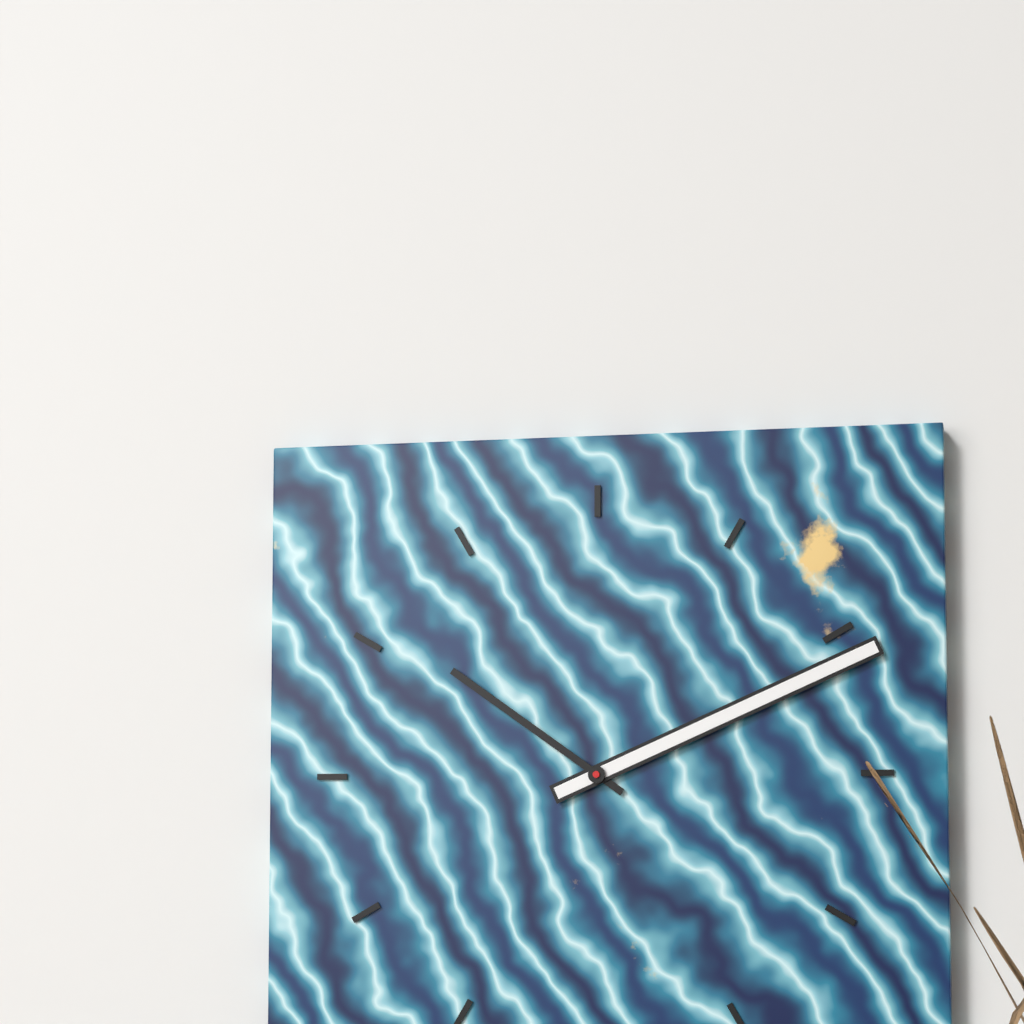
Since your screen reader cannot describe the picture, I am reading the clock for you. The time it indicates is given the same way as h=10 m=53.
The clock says h=10 m=11
